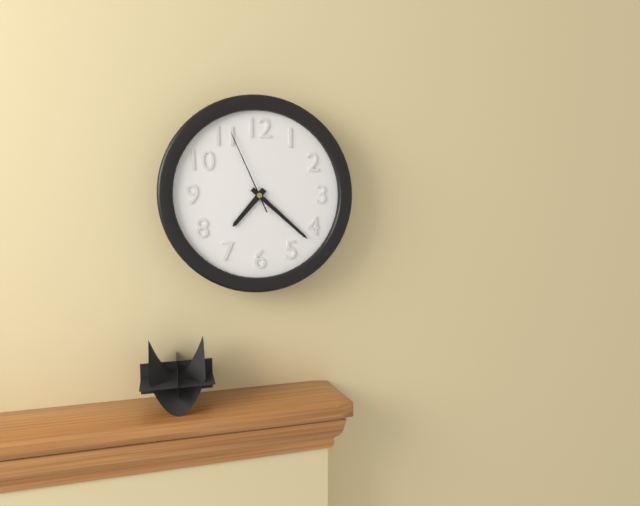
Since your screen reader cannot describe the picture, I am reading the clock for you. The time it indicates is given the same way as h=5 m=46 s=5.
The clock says h=7 m=22 s=56
